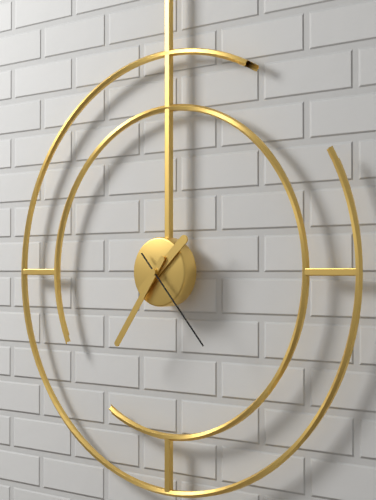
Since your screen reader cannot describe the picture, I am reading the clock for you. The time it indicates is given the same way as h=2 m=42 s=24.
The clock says h=1 m=36 s=23
